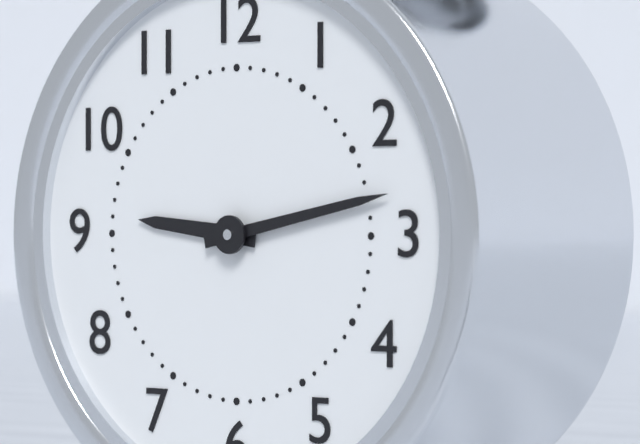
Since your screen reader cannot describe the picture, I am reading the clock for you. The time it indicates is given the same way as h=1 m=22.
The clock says h=9 m=13
